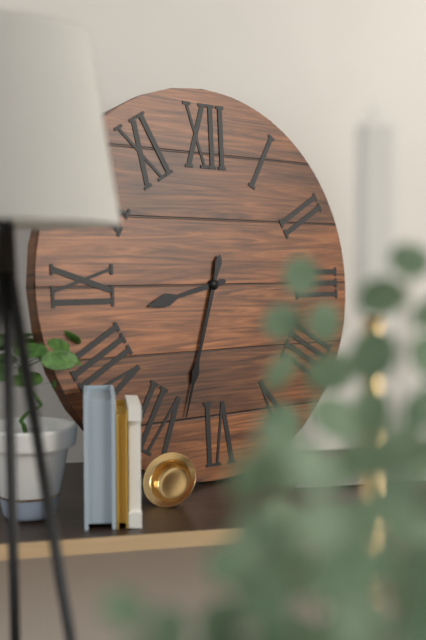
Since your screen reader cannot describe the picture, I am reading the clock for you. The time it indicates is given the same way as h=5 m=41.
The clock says h=8 m=33
